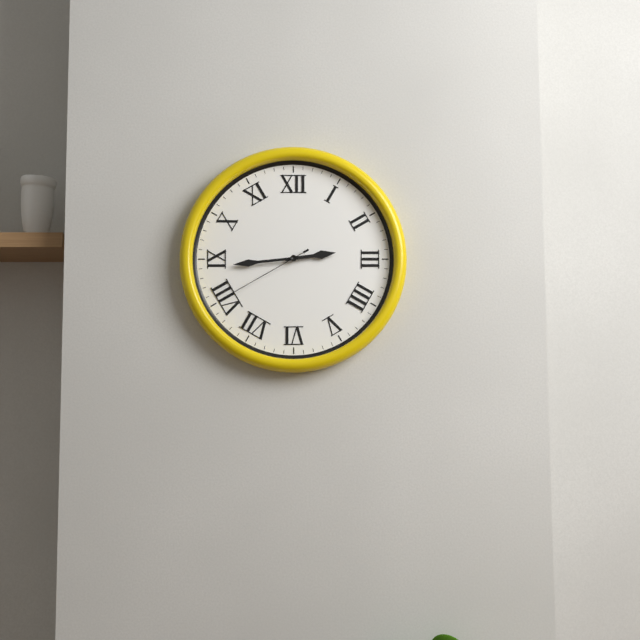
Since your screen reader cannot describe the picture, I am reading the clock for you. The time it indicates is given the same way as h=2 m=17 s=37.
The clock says h=2 m=44 s=40
